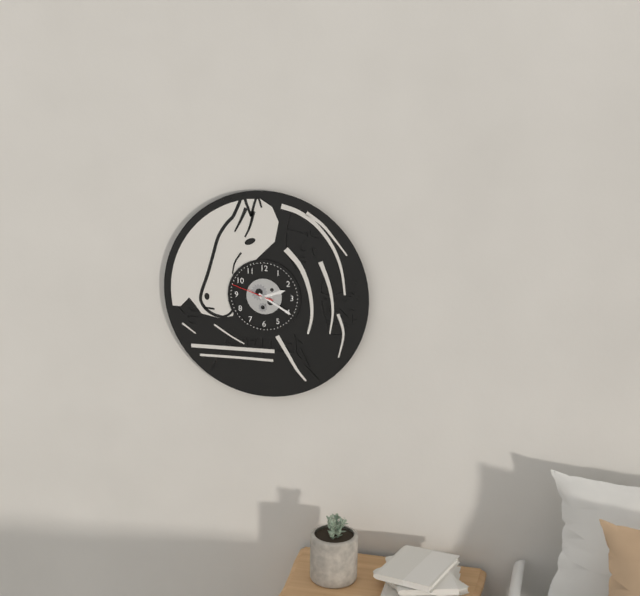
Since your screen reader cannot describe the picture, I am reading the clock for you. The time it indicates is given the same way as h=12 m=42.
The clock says h=2 m=20
